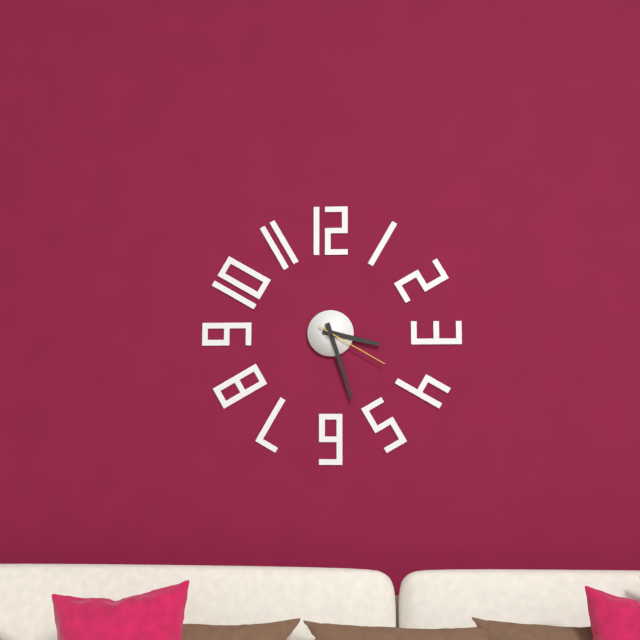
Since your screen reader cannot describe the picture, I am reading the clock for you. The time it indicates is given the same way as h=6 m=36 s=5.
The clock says h=3 m=27 s=20
